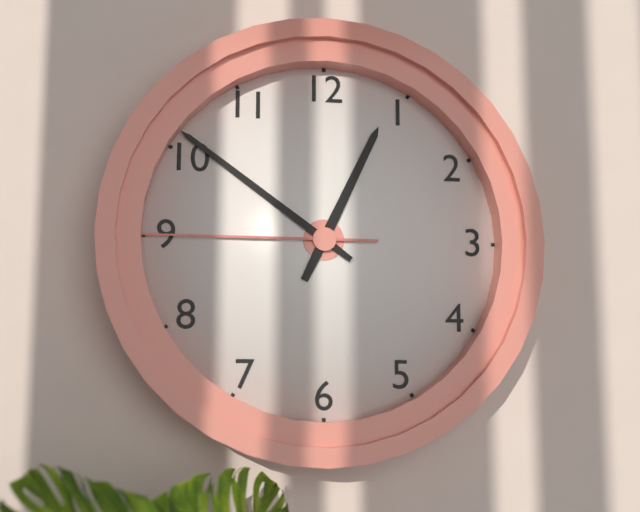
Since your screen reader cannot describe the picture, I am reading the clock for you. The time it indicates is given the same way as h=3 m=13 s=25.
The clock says h=12 m=51 s=45
